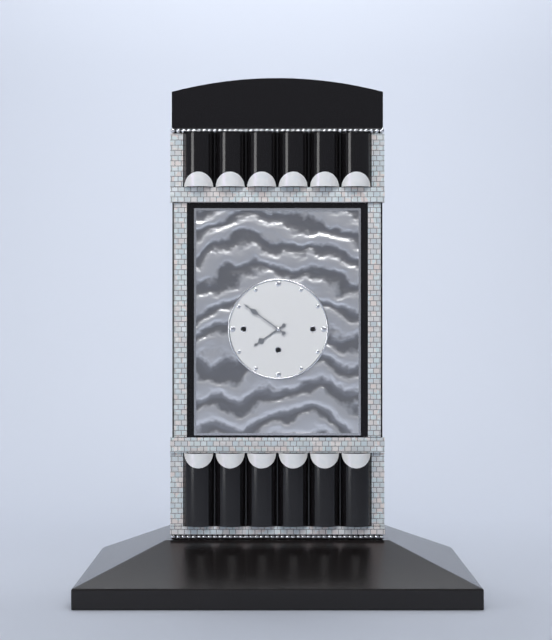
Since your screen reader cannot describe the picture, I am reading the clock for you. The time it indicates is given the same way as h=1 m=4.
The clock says h=7 m=51
